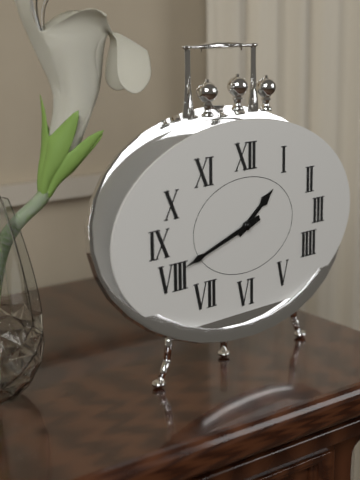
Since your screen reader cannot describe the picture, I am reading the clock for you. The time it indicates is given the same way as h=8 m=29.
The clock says h=1 m=42
